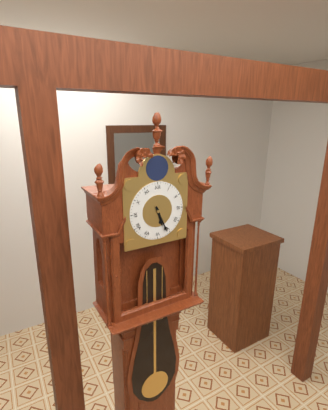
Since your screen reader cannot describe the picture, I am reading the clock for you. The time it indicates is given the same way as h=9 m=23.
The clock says h=5 m=26
